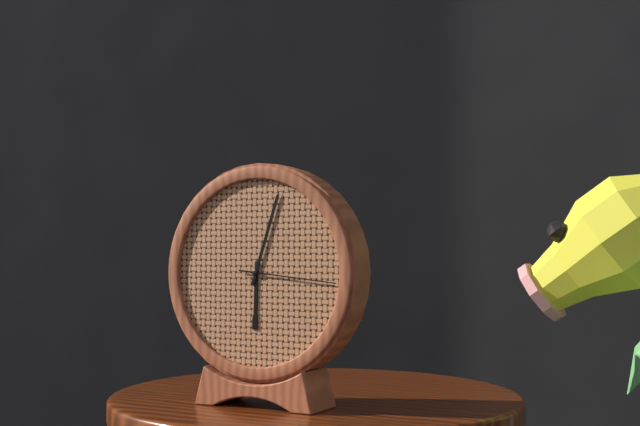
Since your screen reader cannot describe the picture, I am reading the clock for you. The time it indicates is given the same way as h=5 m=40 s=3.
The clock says h=6 m=3 s=16
